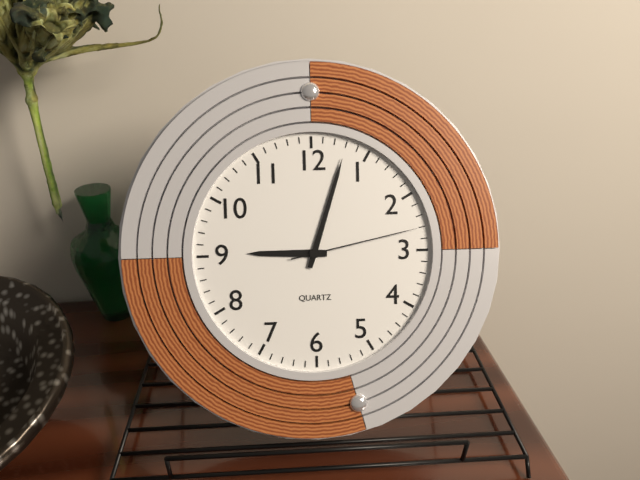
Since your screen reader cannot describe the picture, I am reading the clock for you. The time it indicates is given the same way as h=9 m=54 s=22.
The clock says h=9 m=3 s=13
